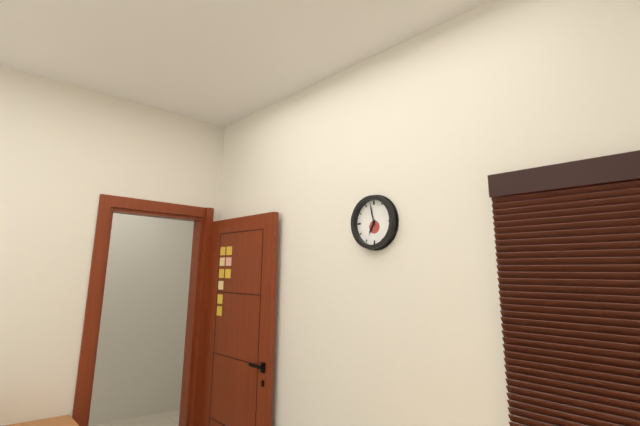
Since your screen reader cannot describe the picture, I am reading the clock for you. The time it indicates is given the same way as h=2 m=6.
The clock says h=6 m=58
